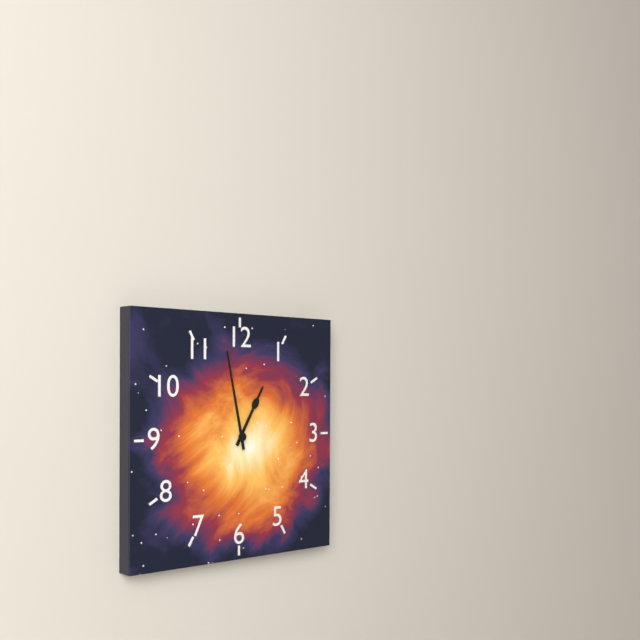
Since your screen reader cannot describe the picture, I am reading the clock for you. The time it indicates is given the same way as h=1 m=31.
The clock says h=12 m=58
